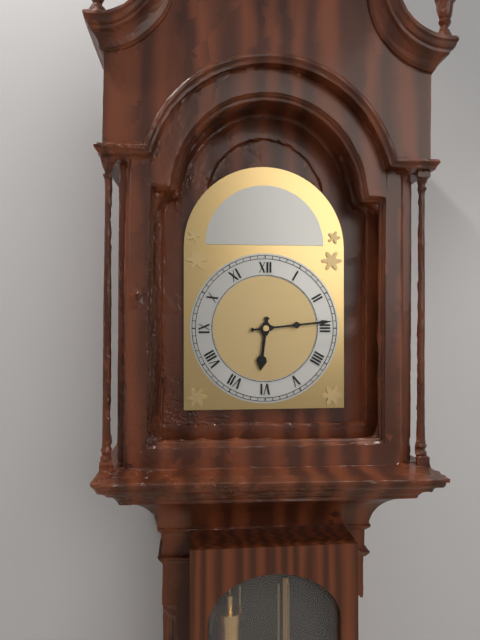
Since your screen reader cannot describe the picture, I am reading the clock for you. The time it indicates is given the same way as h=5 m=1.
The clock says h=6 m=14
